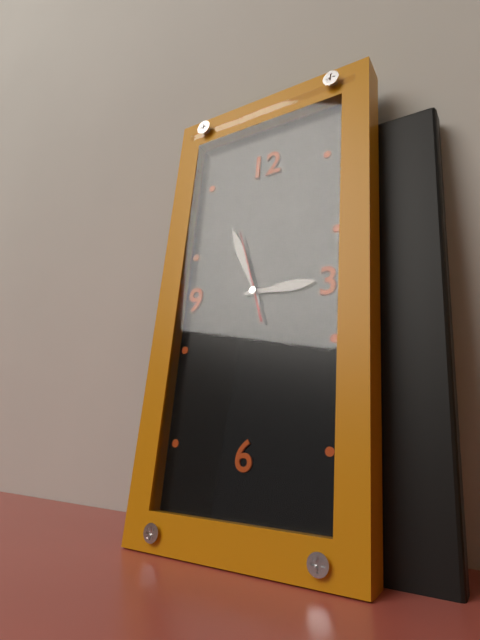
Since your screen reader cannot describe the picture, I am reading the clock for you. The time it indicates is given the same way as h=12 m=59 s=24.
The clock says h=2 m=56 s=57
